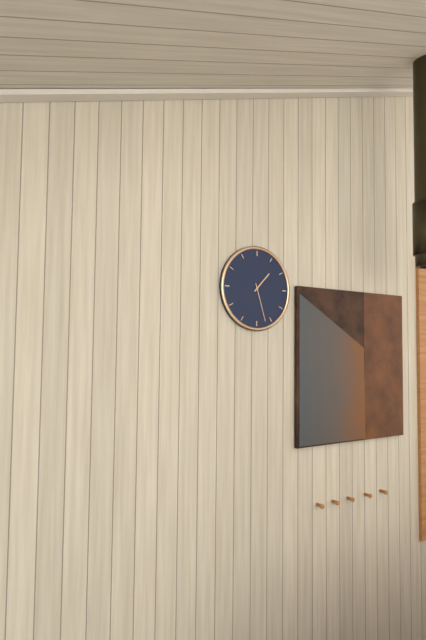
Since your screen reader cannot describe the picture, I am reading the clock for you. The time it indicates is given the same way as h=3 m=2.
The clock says h=1 m=27
